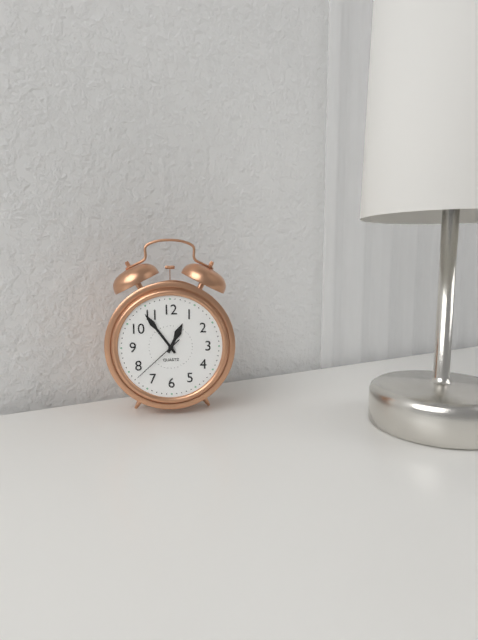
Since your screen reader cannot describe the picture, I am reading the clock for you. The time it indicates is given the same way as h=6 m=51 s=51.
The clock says h=12 m=54 s=38
